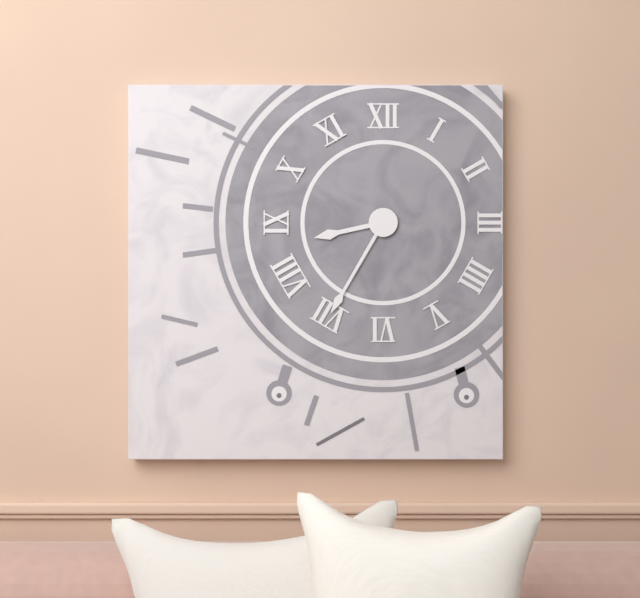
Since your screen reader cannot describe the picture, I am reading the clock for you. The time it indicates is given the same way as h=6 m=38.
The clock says h=8 m=35
